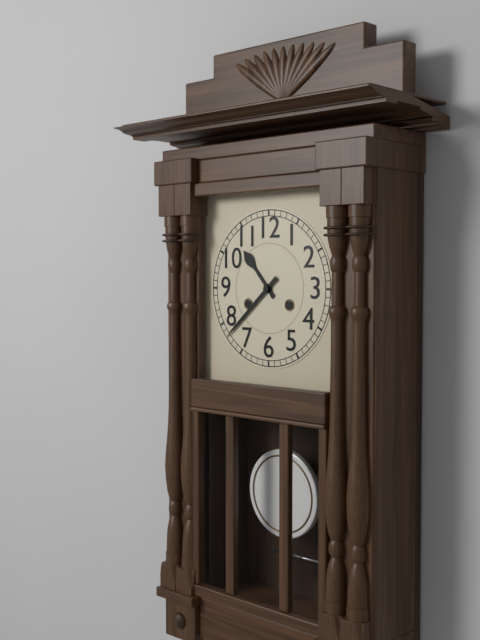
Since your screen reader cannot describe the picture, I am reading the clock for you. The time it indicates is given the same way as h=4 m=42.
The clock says h=10 m=38
